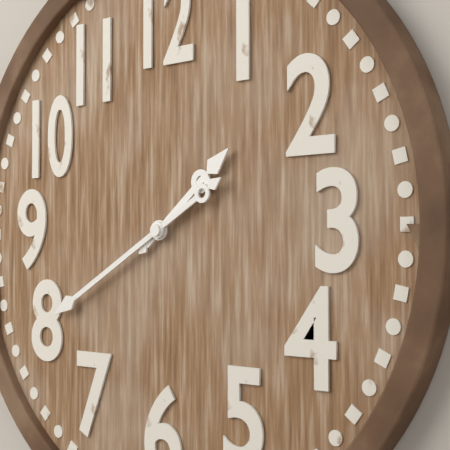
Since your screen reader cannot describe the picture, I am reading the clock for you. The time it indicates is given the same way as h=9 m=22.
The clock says h=1 m=40
